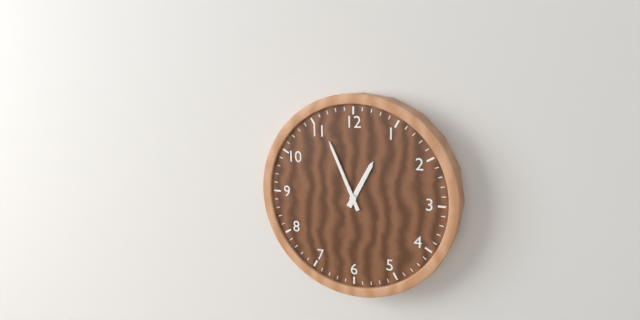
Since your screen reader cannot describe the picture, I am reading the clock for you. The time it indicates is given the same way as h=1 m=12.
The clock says h=12 m=56
